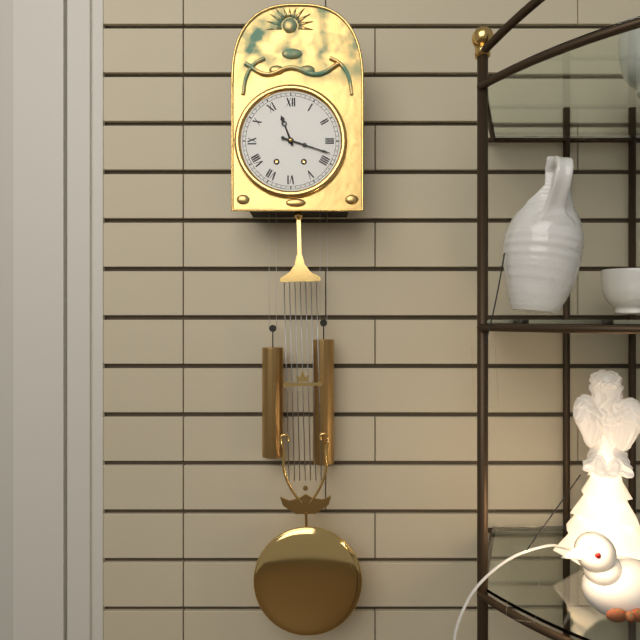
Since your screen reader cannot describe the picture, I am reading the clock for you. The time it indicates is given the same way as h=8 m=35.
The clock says h=11 m=18
